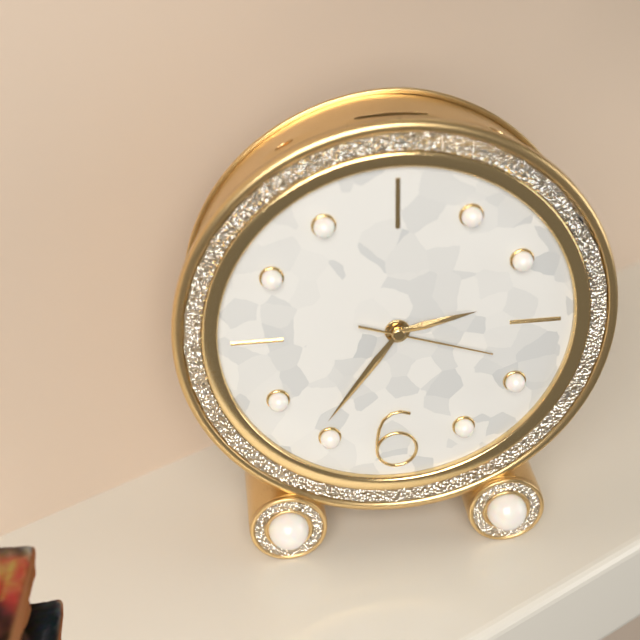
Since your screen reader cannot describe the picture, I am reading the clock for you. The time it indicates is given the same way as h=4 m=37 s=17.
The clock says h=2 m=36 s=18
